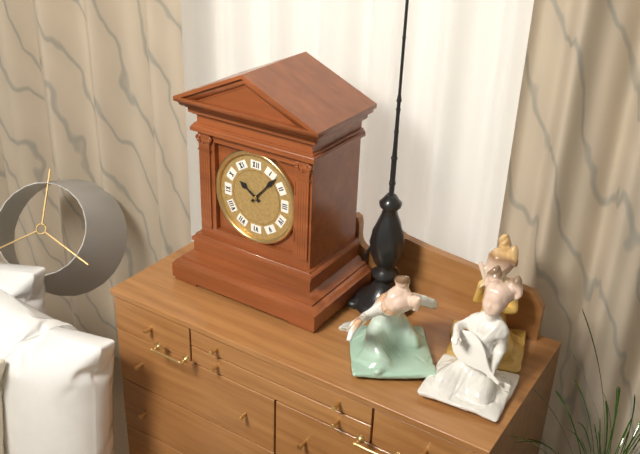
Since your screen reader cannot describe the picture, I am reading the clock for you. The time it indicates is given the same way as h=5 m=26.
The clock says h=10 m=7
